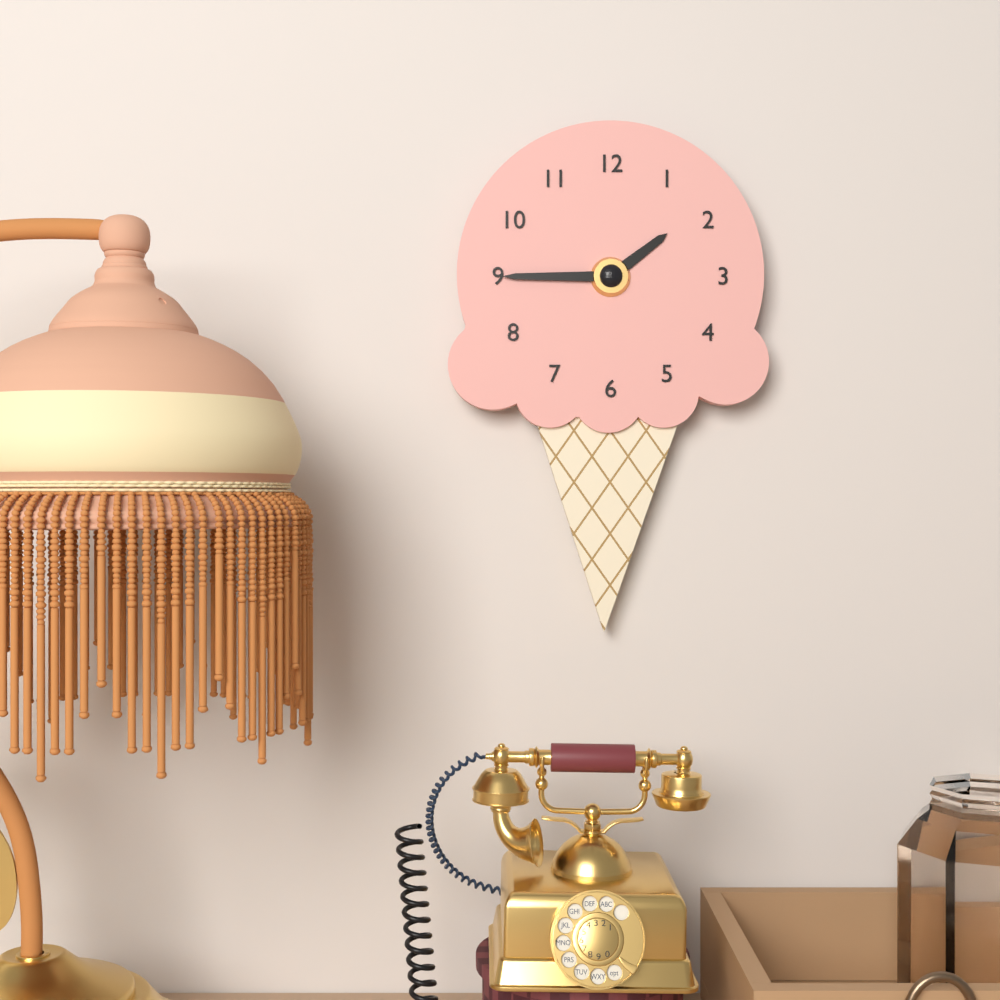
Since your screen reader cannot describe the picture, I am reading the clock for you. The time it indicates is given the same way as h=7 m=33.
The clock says h=1 m=45
